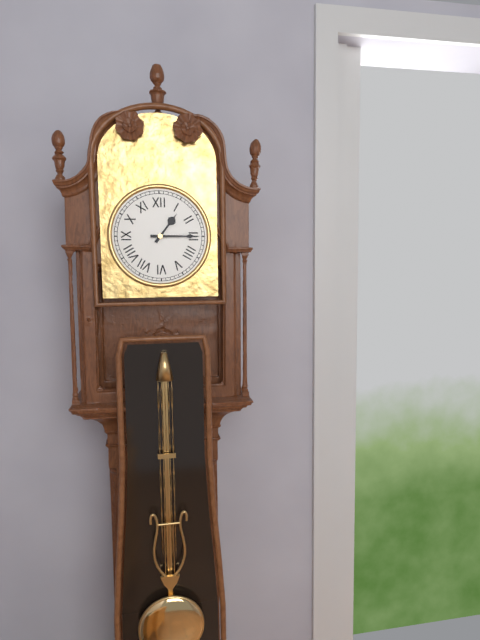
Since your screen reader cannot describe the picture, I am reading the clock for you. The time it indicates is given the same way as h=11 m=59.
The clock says h=1 m=15
